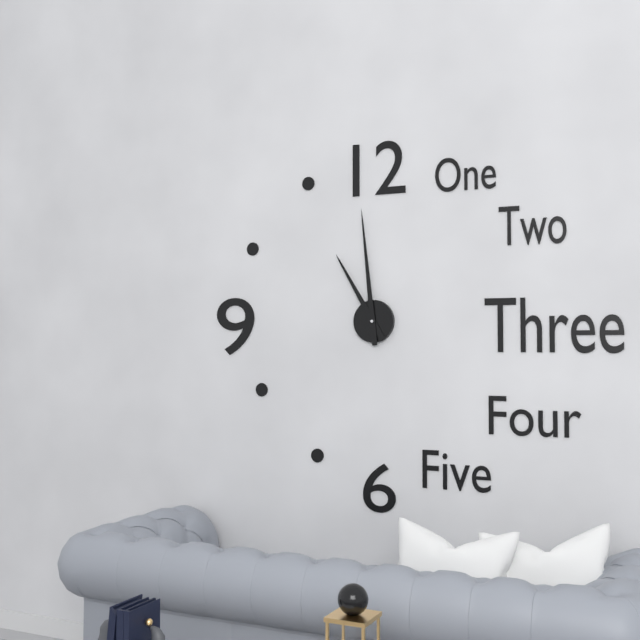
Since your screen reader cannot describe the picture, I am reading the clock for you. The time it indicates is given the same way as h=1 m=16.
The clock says h=10 m=59
